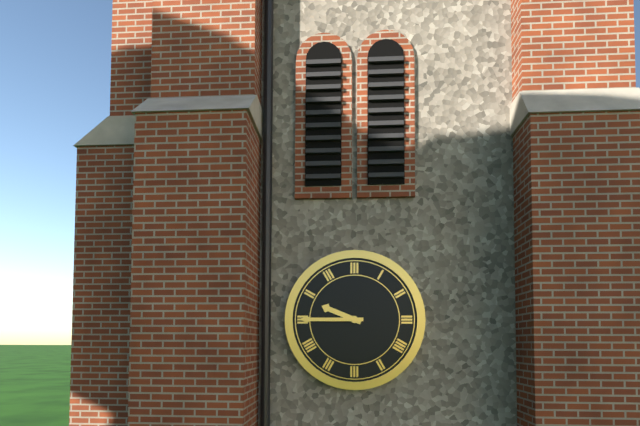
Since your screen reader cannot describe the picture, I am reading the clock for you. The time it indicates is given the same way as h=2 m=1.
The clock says h=9 m=45
